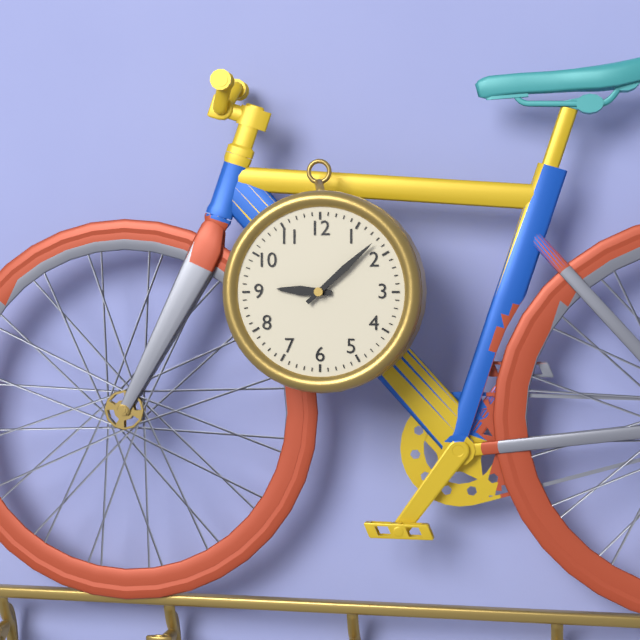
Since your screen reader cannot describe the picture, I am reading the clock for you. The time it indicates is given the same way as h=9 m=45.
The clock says h=9 m=8
